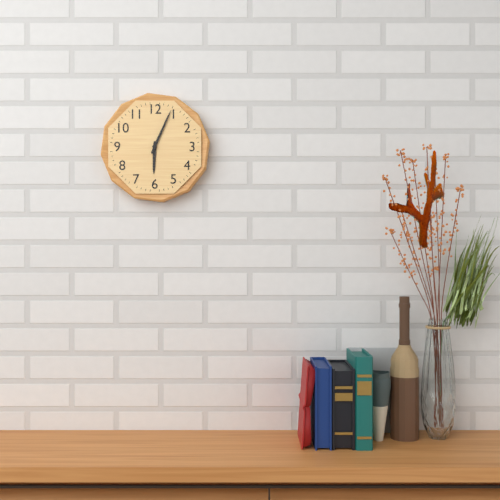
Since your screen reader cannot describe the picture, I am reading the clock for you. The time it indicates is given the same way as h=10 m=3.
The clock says h=6 m=4
